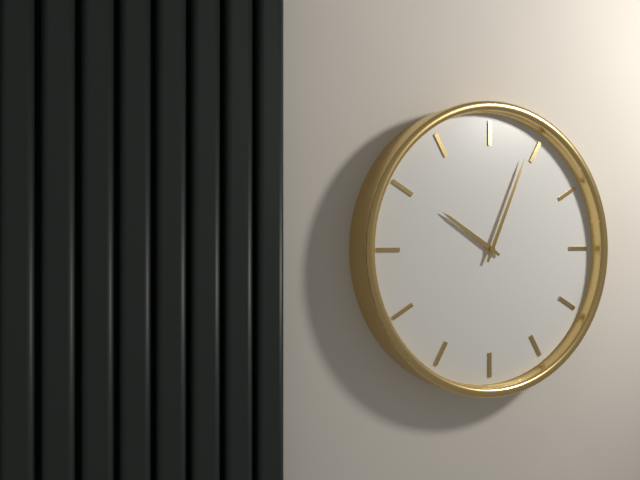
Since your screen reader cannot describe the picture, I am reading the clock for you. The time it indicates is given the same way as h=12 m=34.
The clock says h=10 m=4
